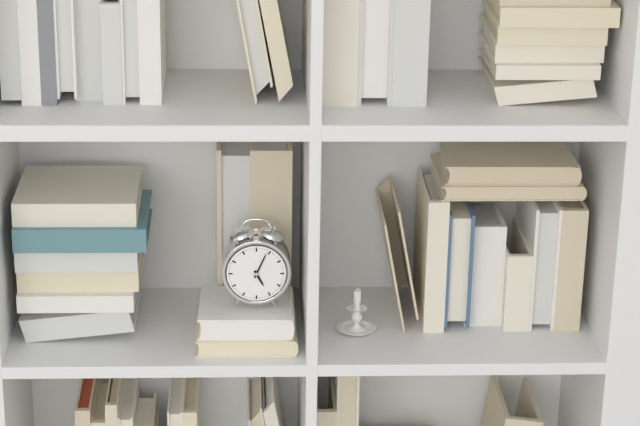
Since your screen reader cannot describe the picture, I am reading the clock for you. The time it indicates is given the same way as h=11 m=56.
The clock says h=5 m=4
